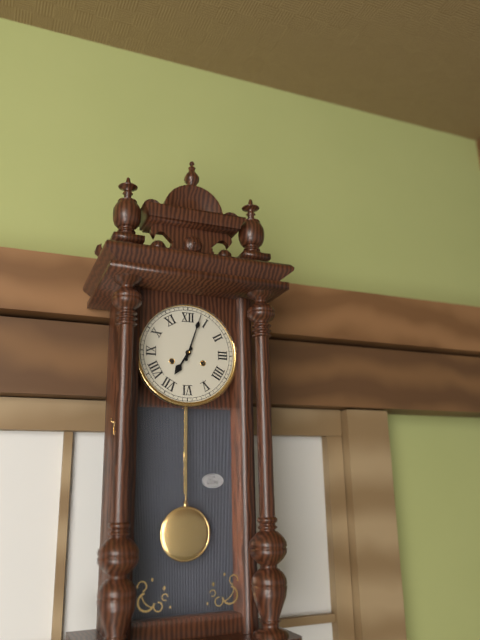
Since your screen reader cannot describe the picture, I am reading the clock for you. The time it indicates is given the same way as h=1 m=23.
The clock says h=7 m=3
